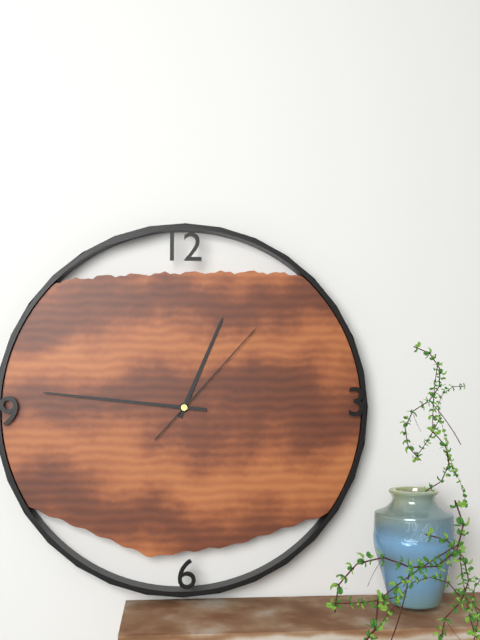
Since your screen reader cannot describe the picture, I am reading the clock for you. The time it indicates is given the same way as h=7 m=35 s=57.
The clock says h=12 m=46 s=7
